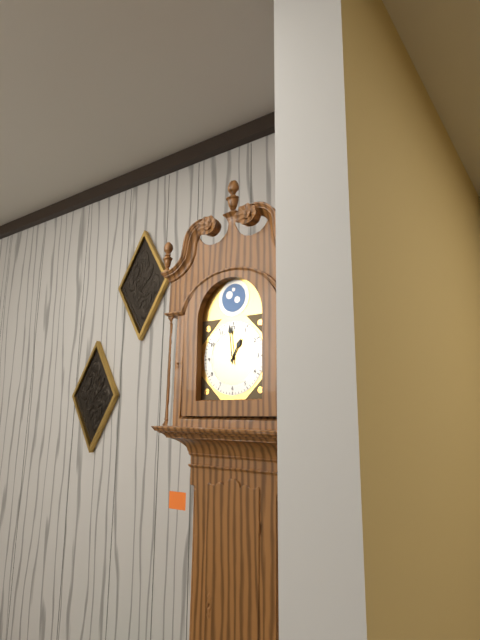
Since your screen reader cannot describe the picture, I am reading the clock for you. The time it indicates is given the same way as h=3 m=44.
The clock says h=12 m=59
